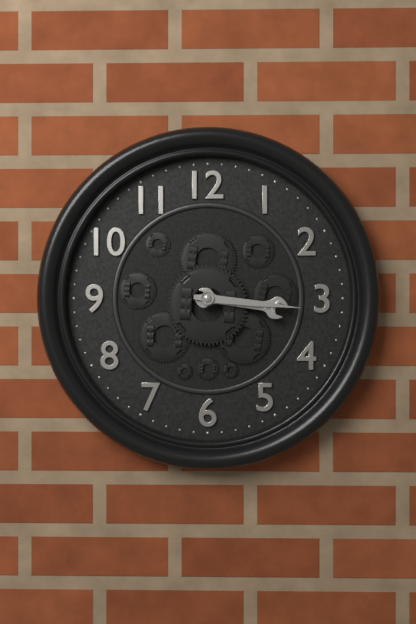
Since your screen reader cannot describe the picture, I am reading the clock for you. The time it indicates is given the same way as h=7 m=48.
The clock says h=3 m=16
